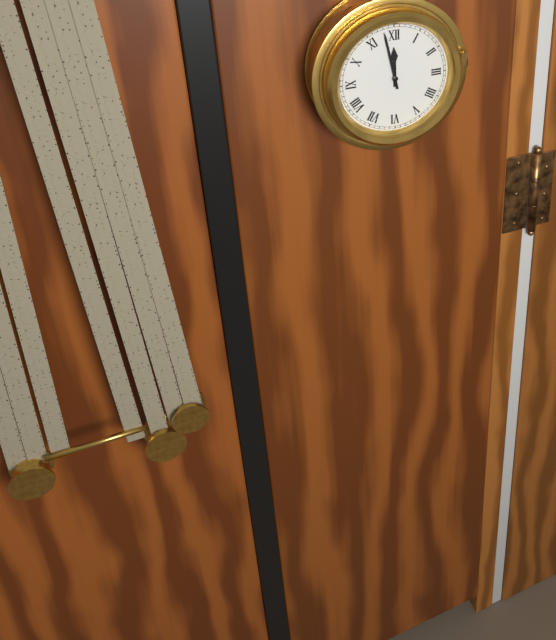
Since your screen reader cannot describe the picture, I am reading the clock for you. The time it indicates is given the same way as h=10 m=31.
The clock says h=11 m=58
